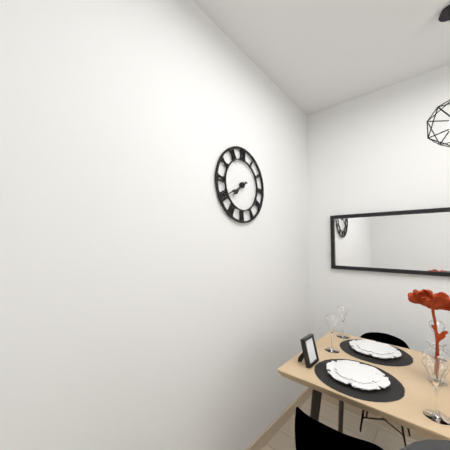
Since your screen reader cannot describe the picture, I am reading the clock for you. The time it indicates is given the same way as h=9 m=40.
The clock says h=7 m=40
